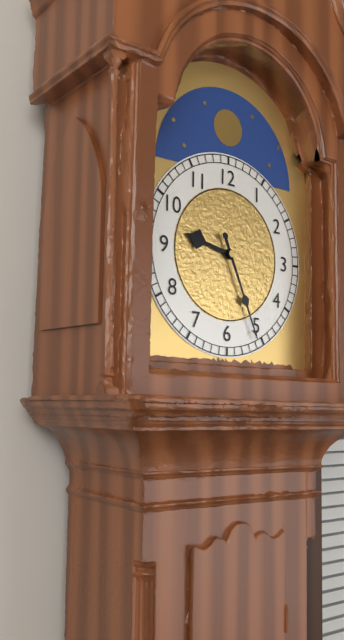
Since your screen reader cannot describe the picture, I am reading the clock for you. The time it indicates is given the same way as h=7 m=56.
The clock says h=9 m=26
